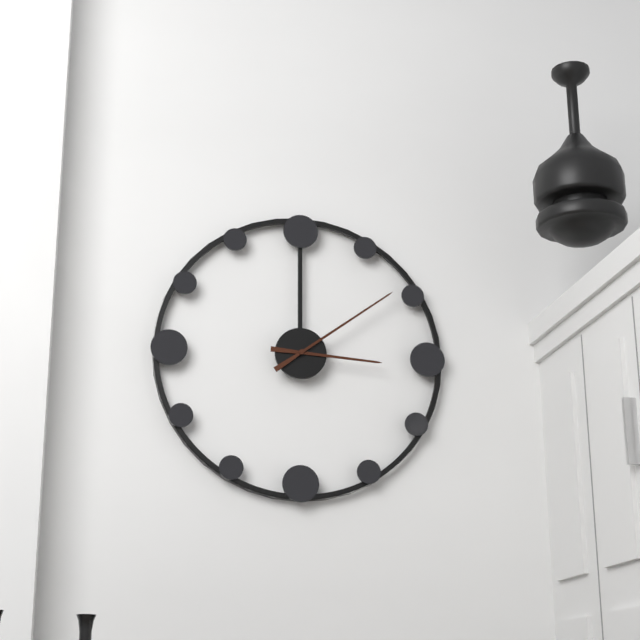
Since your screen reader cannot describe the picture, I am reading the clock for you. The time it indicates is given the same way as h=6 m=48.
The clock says h=3 m=9
